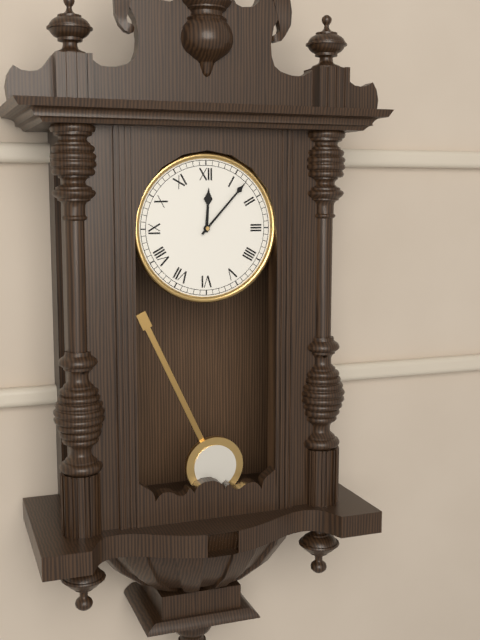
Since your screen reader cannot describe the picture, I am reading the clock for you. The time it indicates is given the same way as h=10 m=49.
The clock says h=12 m=7
